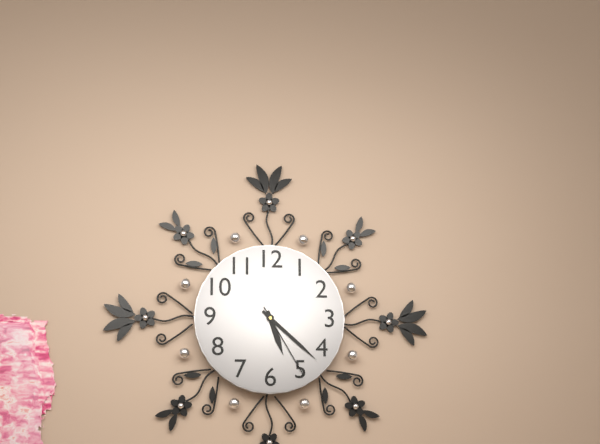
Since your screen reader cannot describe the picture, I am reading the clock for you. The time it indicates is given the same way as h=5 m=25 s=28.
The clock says h=5 m=22 s=25
